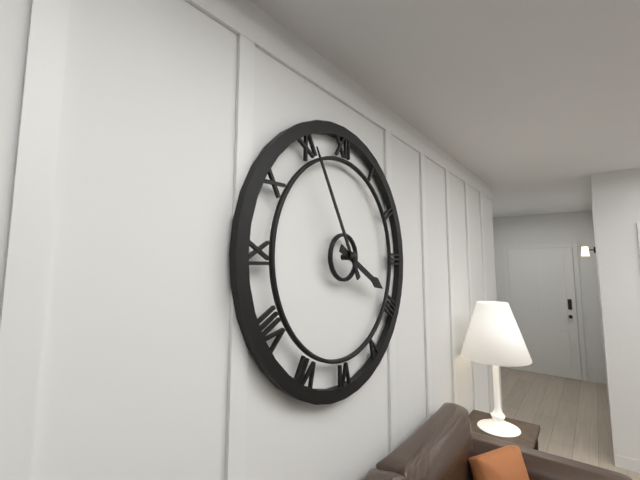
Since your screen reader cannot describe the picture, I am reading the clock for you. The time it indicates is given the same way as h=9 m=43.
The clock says h=3 m=55
